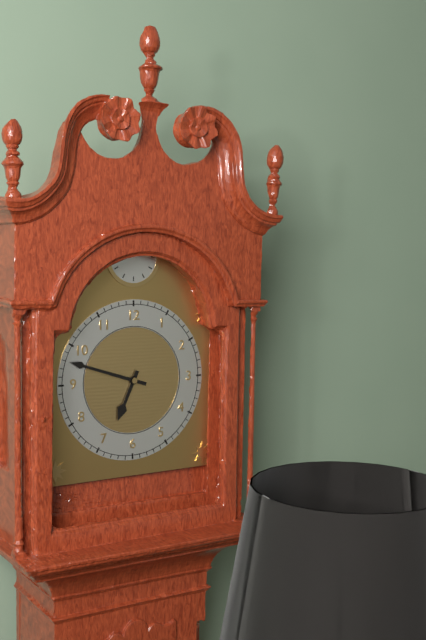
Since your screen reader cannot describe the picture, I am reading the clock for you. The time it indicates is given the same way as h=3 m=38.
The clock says h=6 m=48
